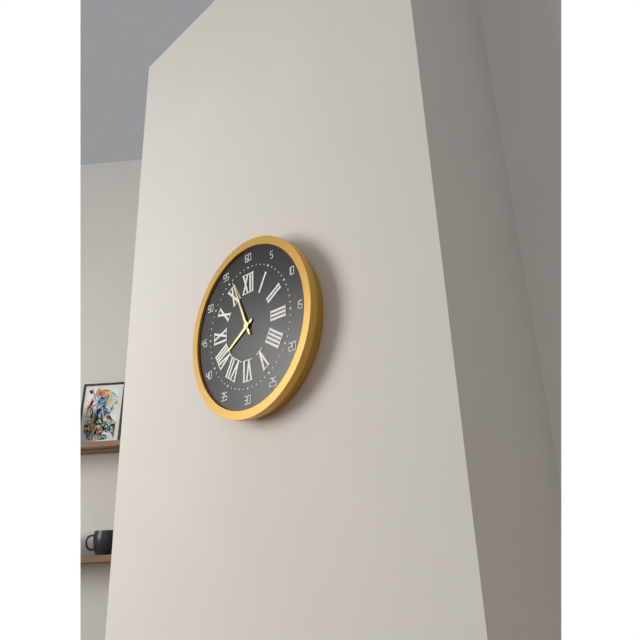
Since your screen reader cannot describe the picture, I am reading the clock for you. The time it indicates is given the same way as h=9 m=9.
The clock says h=7 m=56
